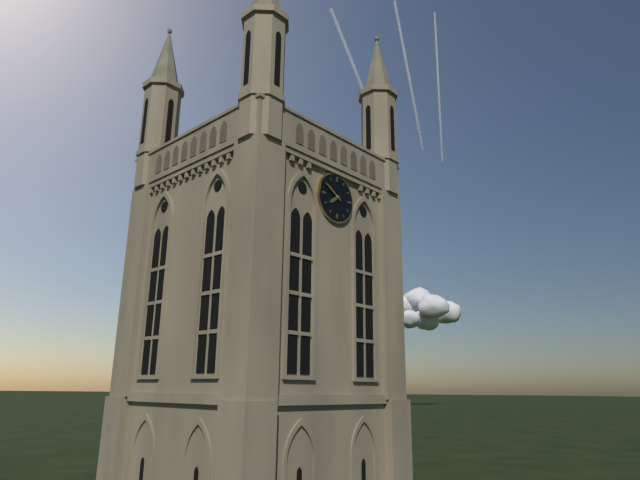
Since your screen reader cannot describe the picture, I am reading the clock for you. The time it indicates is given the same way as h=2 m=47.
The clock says h=7 m=50
